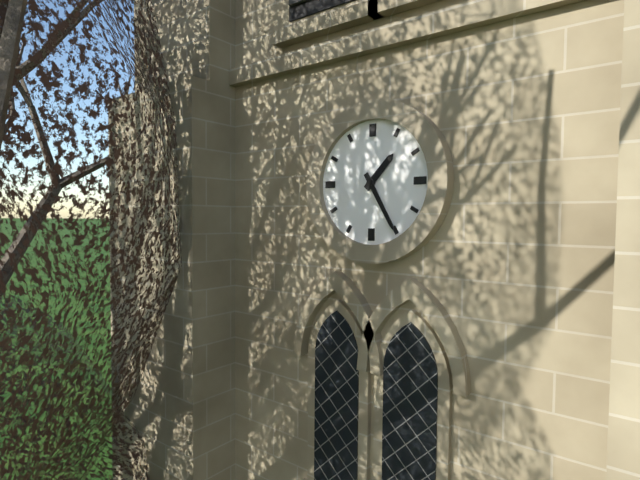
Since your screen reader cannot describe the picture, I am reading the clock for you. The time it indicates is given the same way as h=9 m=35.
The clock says h=1 m=25
